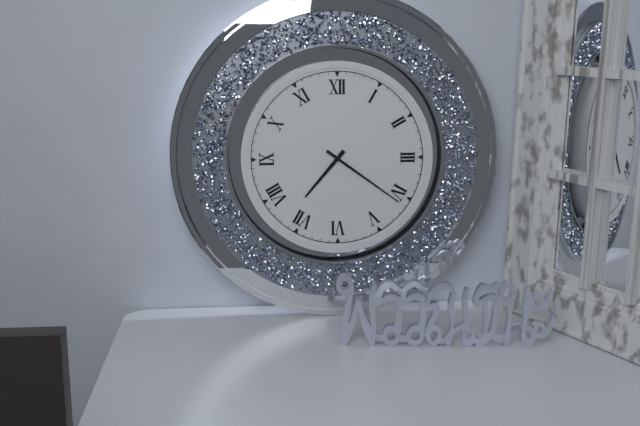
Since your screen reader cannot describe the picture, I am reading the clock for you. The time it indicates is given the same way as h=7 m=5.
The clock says h=7 m=21
